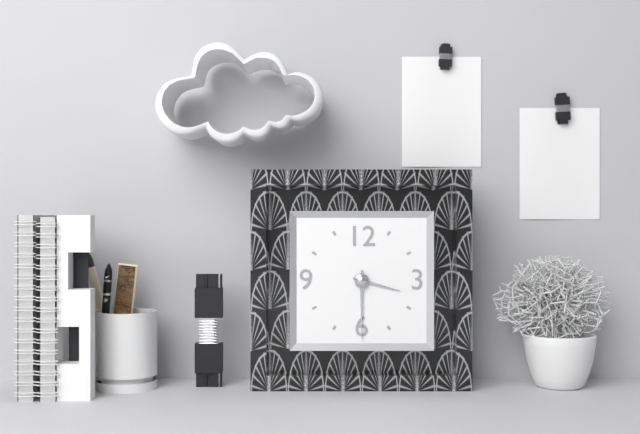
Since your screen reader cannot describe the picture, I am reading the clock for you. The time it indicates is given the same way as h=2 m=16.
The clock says h=3 m=30
